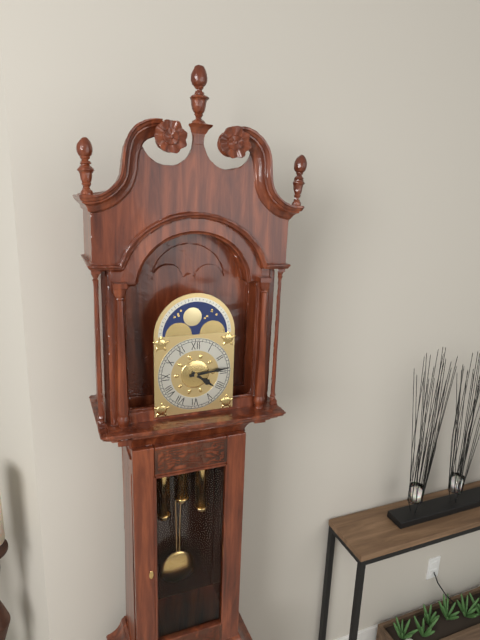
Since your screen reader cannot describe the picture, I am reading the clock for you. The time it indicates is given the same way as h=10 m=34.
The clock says h=4 m=14
